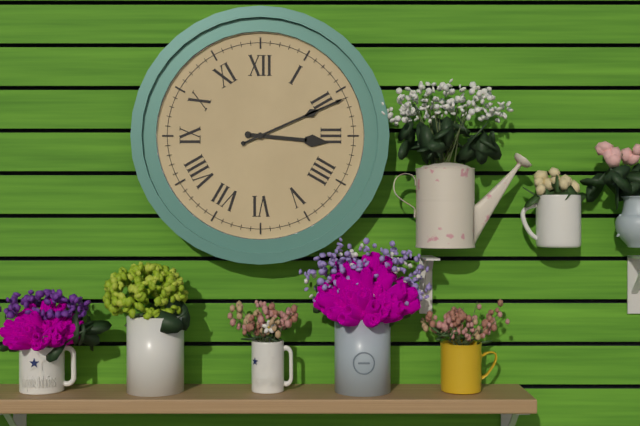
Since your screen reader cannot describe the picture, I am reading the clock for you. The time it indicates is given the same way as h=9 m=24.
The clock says h=3 m=11
